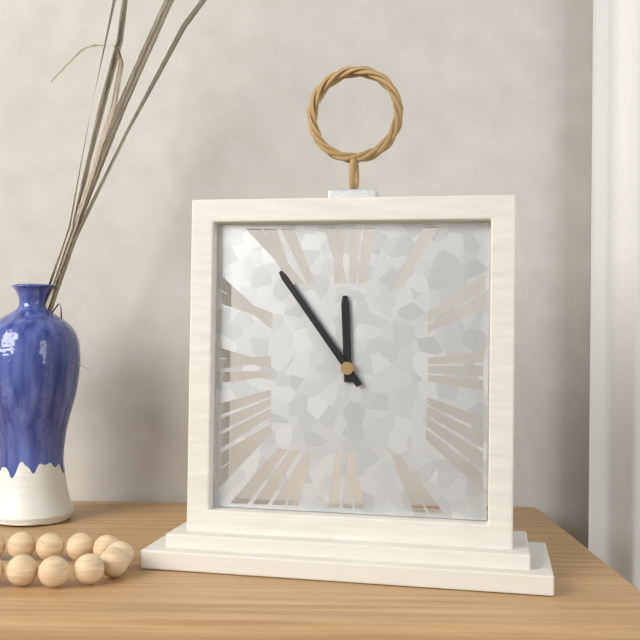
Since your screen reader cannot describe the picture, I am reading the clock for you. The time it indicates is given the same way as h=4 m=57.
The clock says h=11 m=54
